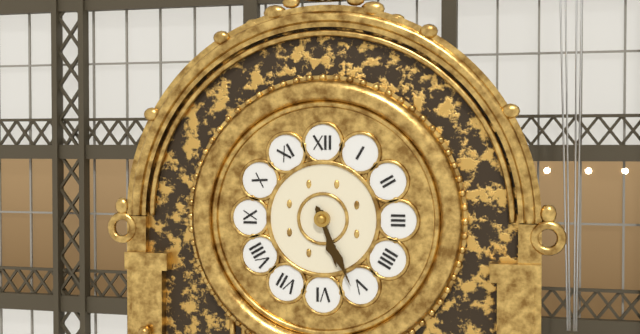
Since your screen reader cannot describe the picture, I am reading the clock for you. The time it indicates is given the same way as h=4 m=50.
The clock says h=5 m=26
